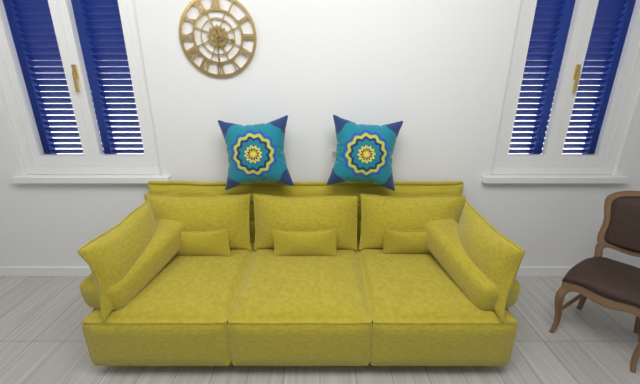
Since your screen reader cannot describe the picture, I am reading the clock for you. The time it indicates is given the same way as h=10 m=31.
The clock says h=3 m=30
